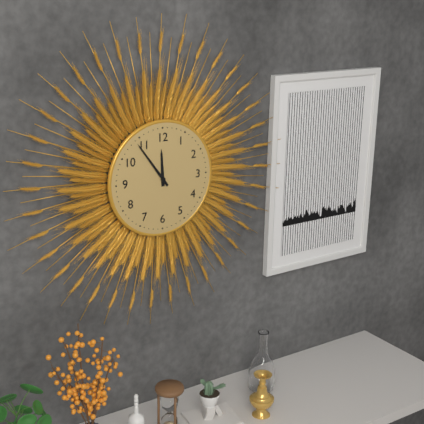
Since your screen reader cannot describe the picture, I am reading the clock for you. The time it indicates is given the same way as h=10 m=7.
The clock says h=11 m=54
